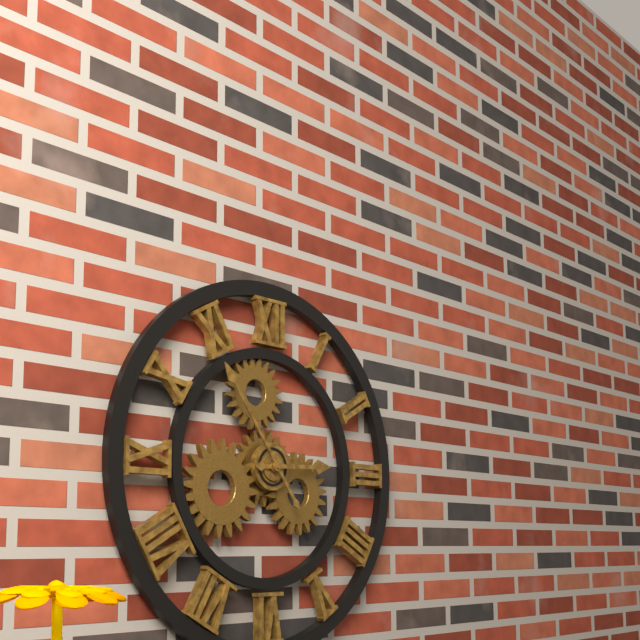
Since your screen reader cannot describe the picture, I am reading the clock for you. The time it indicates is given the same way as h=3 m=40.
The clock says h=2 m=54
